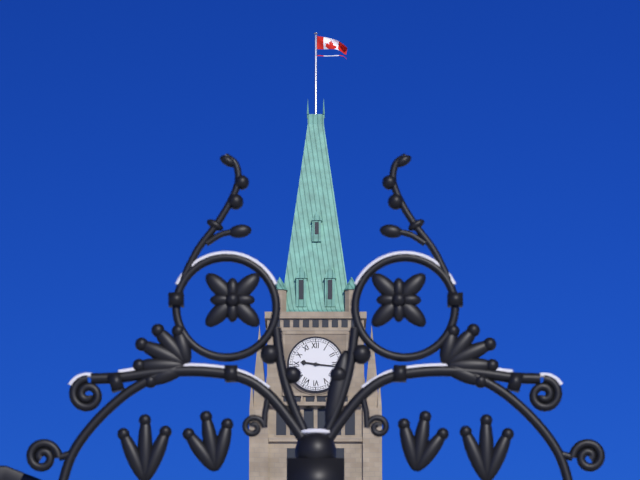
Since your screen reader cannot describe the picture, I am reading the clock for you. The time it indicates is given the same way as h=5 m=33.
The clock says h=9 m=16
